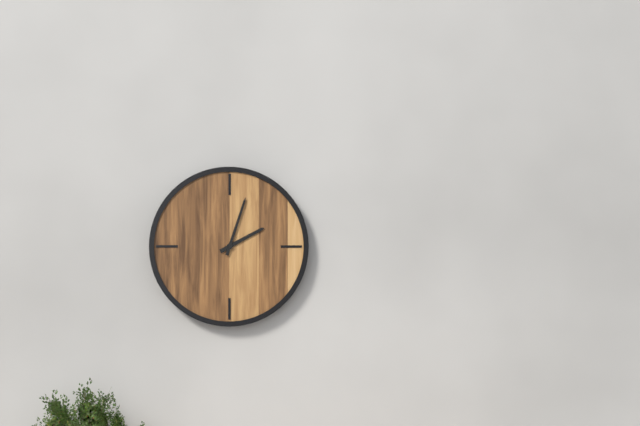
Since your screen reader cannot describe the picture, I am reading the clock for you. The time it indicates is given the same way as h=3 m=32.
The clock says h=2 m=3
